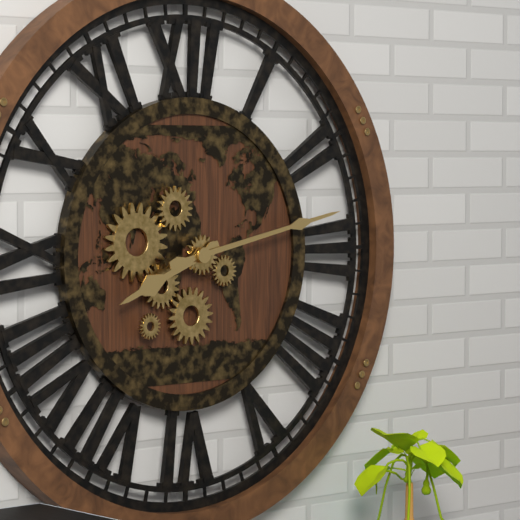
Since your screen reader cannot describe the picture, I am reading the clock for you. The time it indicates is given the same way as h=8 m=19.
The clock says h=8 m=13
